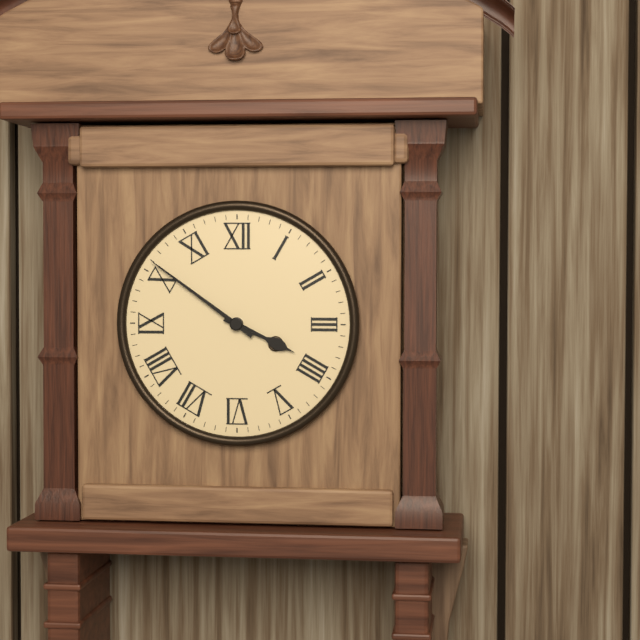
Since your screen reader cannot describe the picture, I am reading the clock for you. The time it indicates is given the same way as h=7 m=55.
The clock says h=3 m=51
